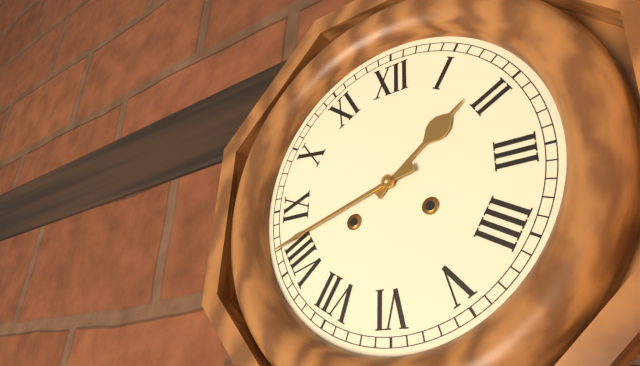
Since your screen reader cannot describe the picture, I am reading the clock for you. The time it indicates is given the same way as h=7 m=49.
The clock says h=1 m=42
